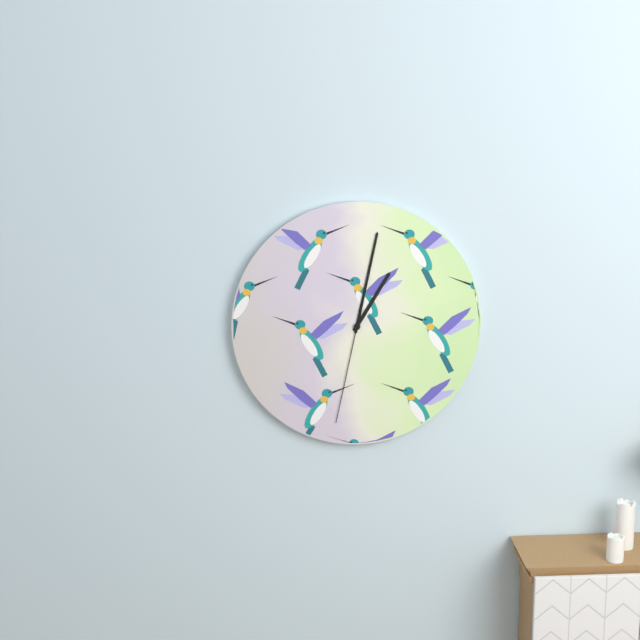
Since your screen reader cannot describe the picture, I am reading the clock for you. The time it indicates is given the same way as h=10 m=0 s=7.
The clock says h=1 m=2 s=32
